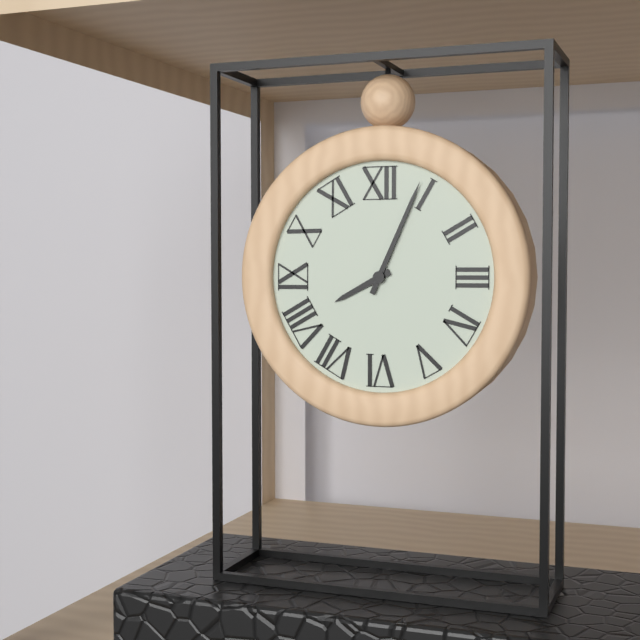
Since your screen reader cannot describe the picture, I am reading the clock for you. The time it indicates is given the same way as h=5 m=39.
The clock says h=8 m=4
